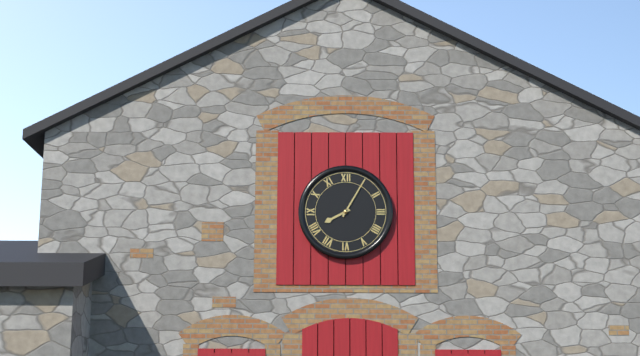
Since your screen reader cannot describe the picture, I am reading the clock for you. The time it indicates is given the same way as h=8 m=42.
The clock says h=8 m=5
